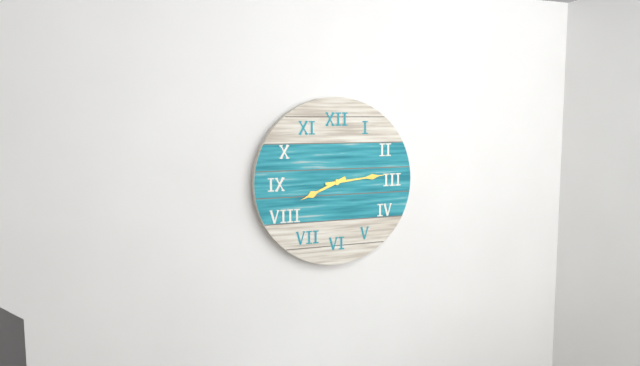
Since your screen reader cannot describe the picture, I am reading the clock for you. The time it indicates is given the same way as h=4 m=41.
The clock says h=8 m=14
